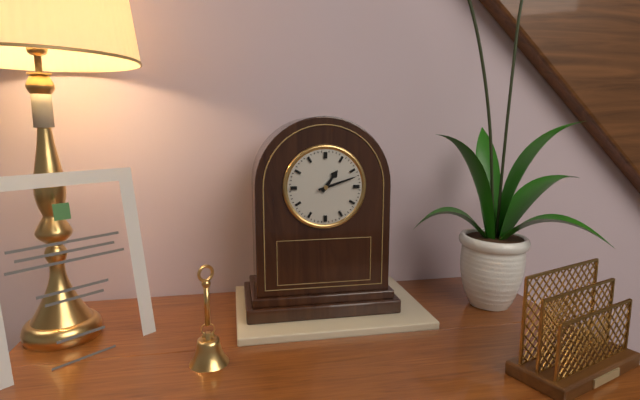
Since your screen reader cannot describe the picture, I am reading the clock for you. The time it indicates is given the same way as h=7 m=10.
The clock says h=1 m=12
